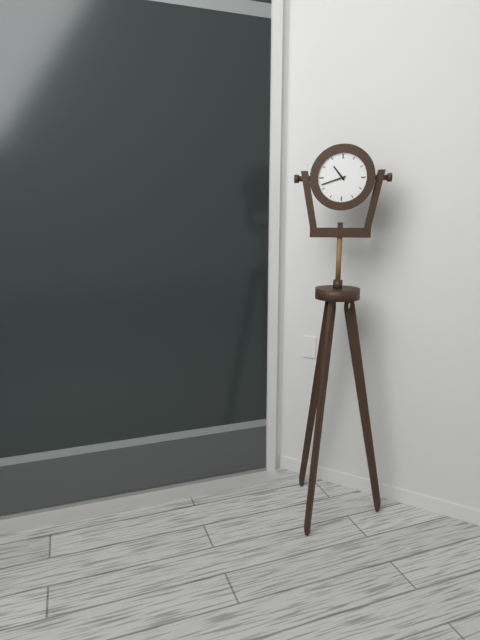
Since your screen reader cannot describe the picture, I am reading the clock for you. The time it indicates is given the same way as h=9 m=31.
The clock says h=10 m=42
